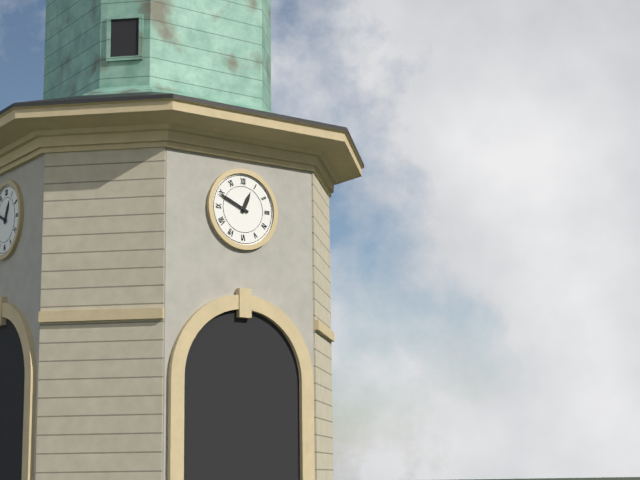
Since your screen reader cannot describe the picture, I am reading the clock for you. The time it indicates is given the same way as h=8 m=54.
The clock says h=12 m=49
